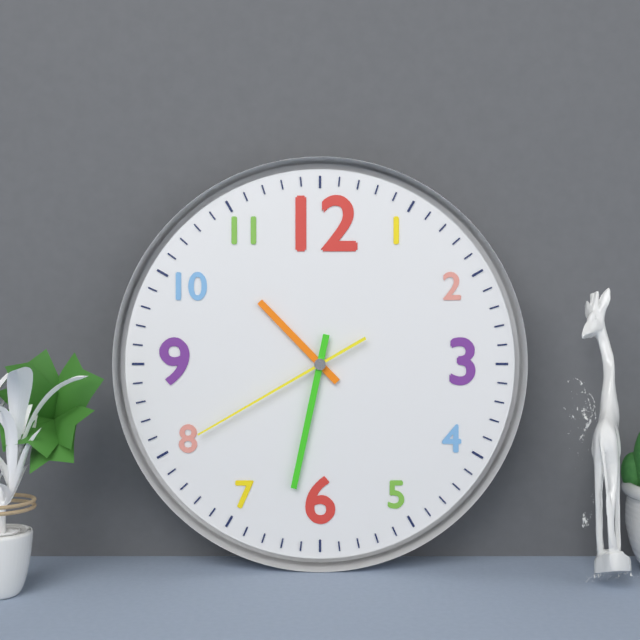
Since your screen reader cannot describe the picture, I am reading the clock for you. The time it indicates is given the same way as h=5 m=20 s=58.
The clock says h=10 m=32 s=40
